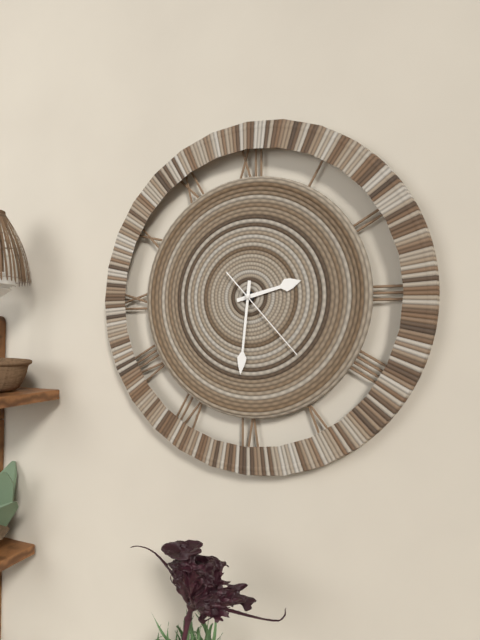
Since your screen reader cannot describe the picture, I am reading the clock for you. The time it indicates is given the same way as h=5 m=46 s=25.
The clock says h=2 m=31 s=23
